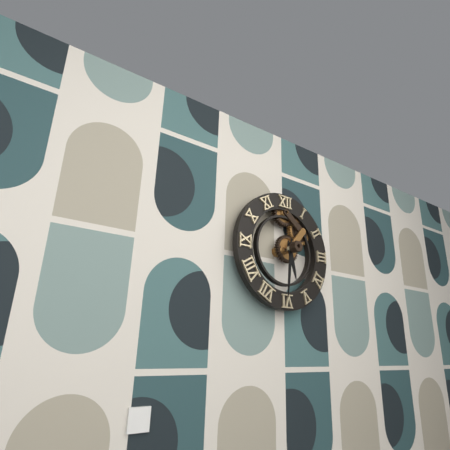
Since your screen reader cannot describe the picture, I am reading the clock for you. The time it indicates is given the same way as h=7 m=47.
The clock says h=5 m=31
